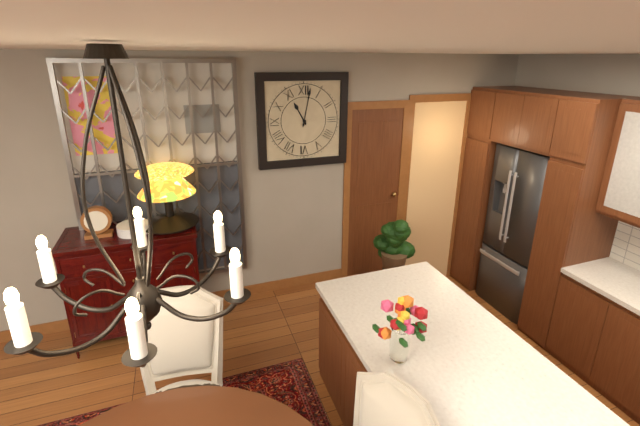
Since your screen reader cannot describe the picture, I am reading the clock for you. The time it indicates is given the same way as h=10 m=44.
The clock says h=11 m=2
